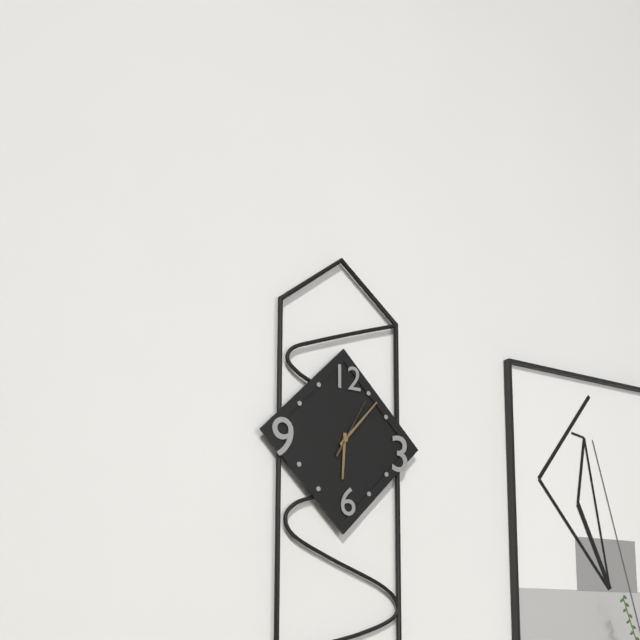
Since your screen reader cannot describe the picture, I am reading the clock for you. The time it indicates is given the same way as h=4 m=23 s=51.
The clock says h=6 m=7 s=5
